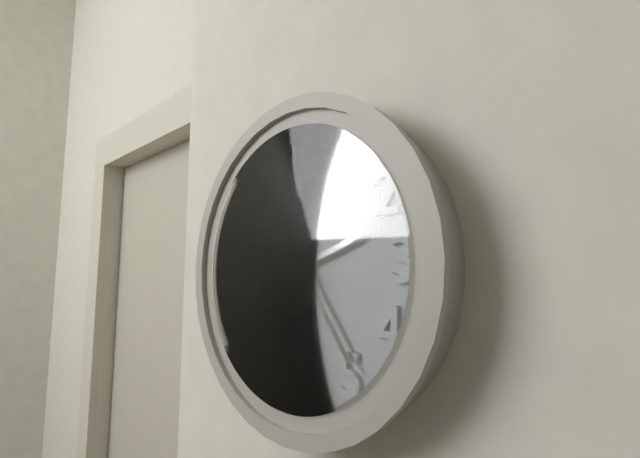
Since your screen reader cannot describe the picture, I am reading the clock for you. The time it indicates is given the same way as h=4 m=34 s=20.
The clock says h=2 m=24 s=51
